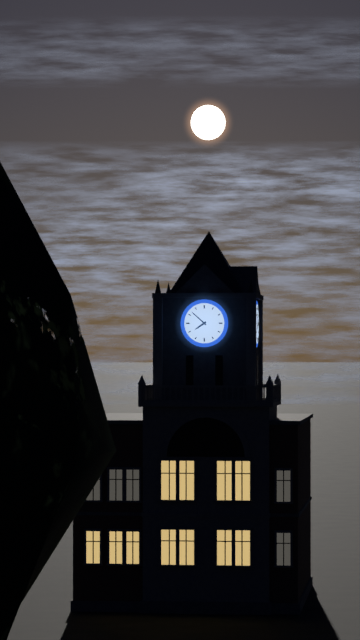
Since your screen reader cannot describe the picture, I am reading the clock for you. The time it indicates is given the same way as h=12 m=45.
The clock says h=7 m=52
